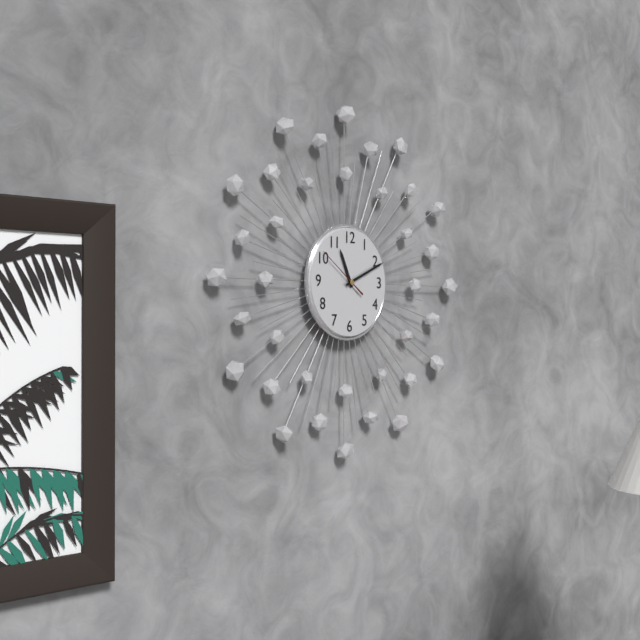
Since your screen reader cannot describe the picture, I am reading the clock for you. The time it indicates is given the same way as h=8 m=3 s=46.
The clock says h=11 m=11 s=51
